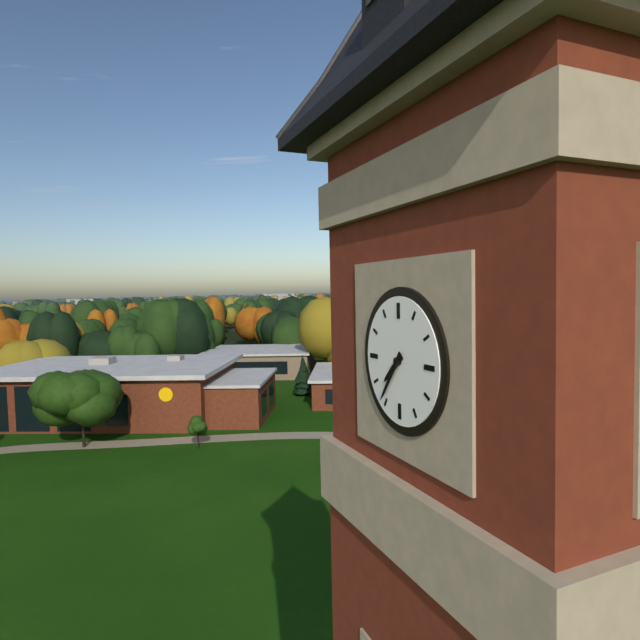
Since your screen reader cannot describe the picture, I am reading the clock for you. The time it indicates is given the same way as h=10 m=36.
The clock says h=7 m=36
